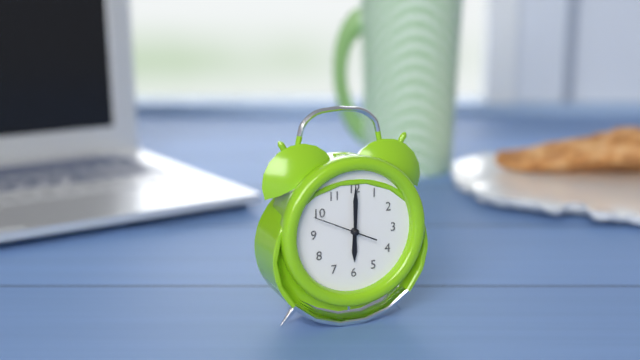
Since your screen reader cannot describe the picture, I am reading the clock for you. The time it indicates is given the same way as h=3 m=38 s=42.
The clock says h=6 m=0 s=49
